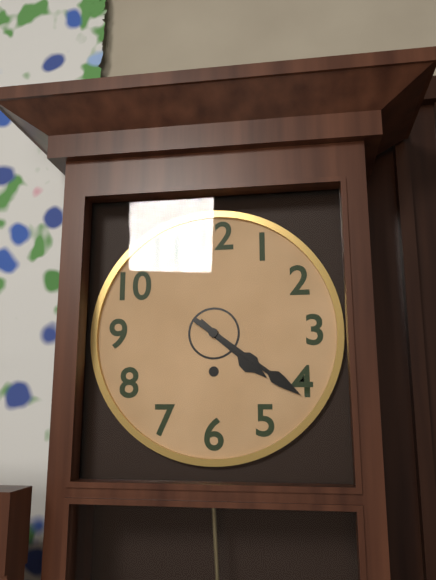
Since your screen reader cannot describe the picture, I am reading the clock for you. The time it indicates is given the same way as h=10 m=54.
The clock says h=4 m=21
